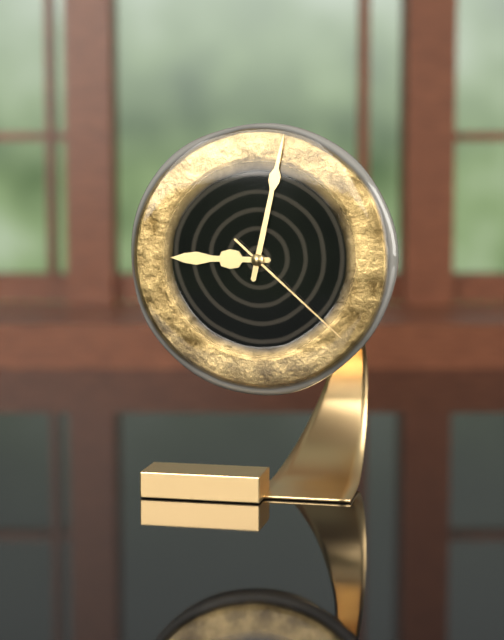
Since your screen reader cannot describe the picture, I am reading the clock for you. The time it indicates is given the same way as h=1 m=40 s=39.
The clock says h=9 m=2 s=22
